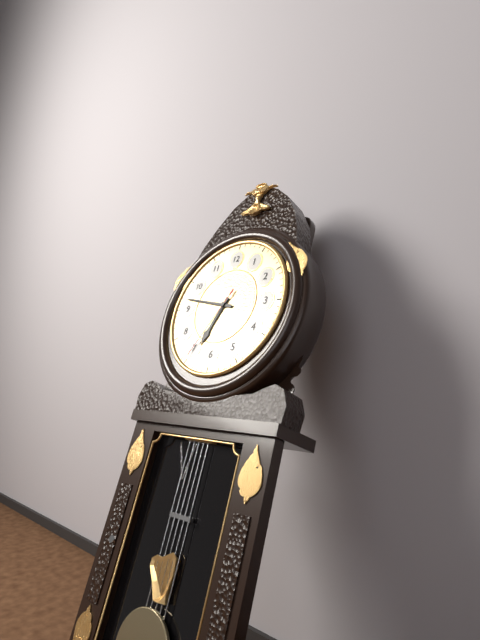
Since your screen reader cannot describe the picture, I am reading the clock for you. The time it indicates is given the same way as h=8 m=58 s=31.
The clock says h=6 m=47 s=35
